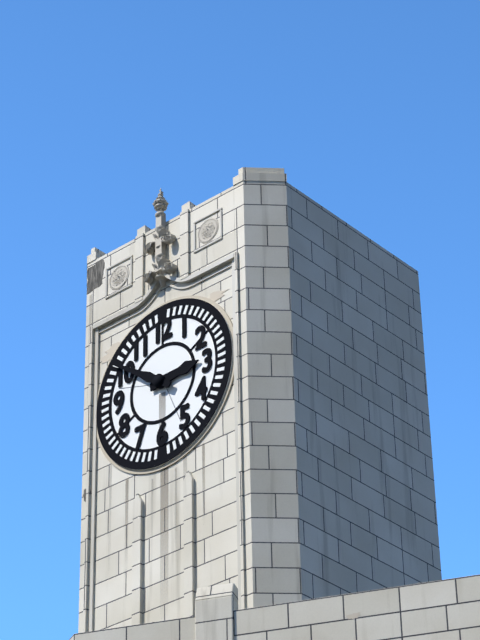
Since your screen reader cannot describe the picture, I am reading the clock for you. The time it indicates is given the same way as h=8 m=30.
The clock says h=2 m=51
